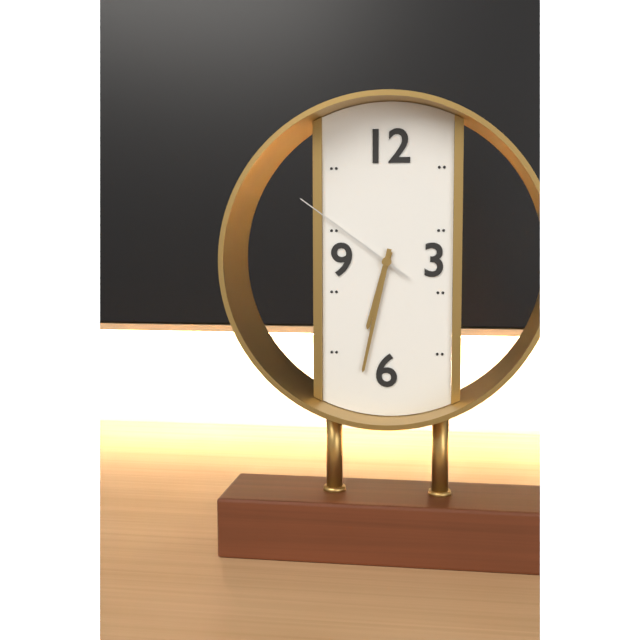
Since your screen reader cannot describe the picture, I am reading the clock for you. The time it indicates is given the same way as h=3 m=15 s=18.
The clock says h=6 m=32 s=51
